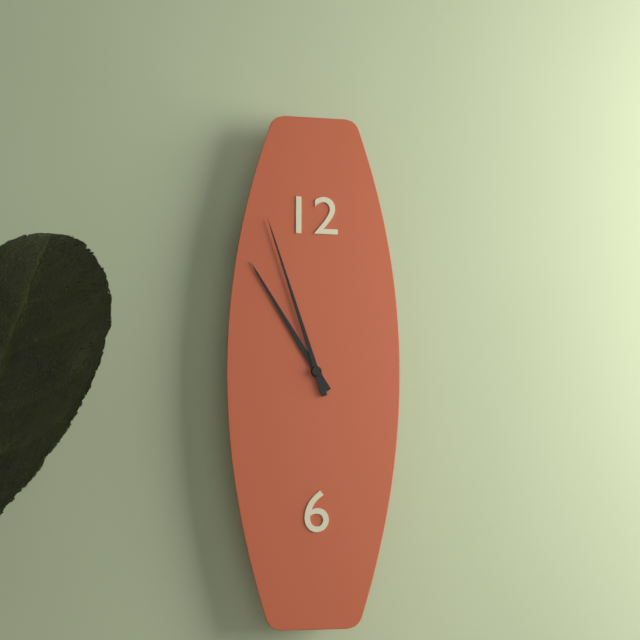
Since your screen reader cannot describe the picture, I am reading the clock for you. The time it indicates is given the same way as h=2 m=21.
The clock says h=10 m=57
